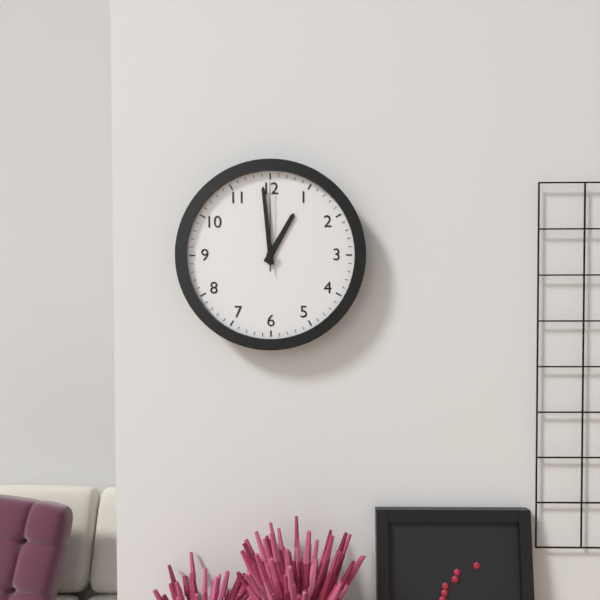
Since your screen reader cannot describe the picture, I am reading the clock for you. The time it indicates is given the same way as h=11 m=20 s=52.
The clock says h=12 m=59 s=0
